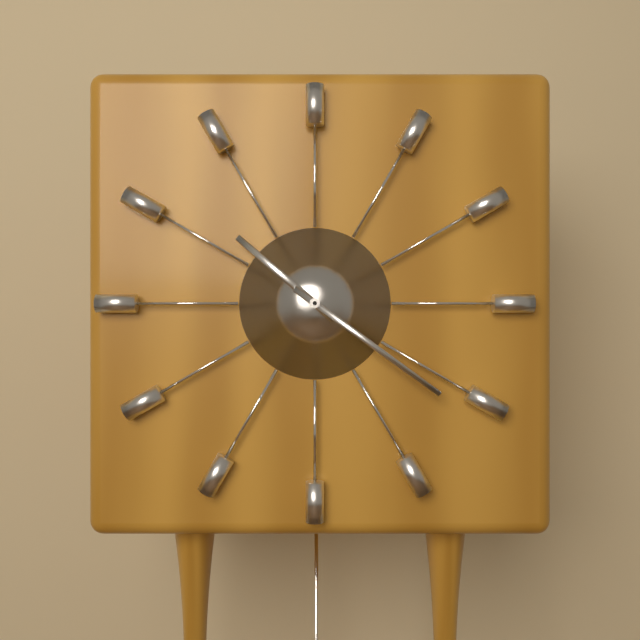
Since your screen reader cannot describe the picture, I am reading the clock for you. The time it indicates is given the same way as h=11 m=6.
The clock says h=10 m=21
